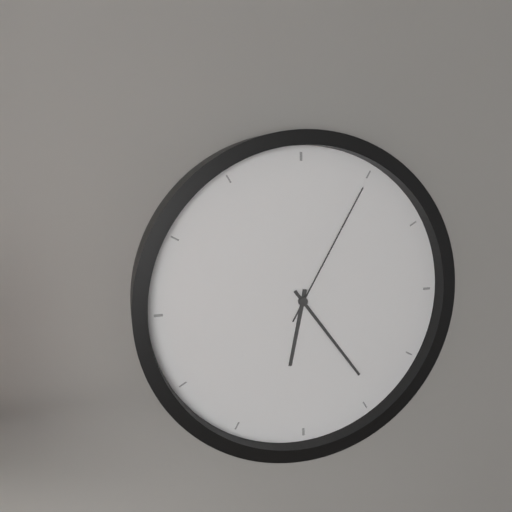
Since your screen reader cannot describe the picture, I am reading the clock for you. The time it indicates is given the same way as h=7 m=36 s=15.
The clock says h=6 m=24 s=5
